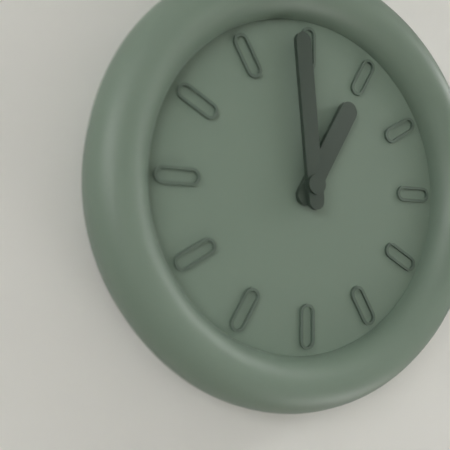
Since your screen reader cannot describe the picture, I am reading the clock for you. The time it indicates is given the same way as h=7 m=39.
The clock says h=12 m=59
